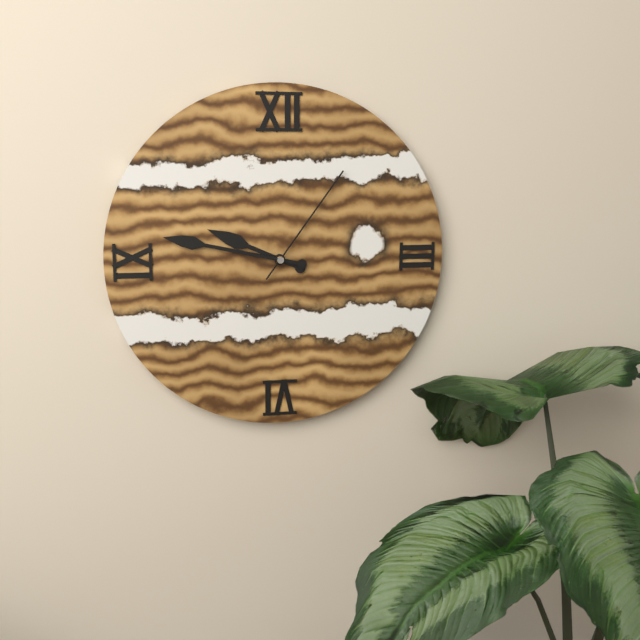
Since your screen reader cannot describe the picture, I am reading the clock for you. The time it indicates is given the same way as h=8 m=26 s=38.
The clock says h=9 m=47 s=6
